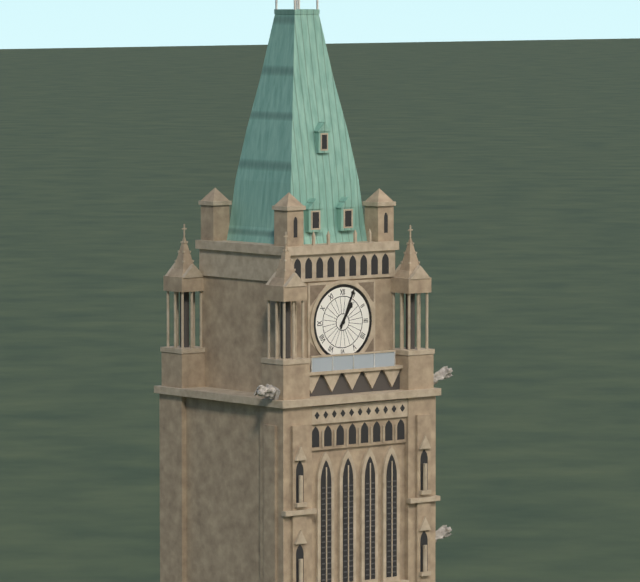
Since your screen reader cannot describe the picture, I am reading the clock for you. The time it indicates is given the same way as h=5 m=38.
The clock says h=1 m=4
